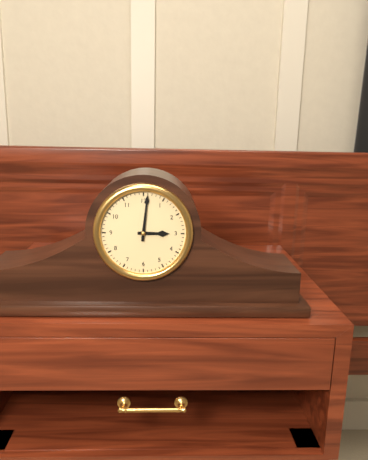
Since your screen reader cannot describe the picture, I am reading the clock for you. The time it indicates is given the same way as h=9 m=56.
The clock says h=3 m=1
